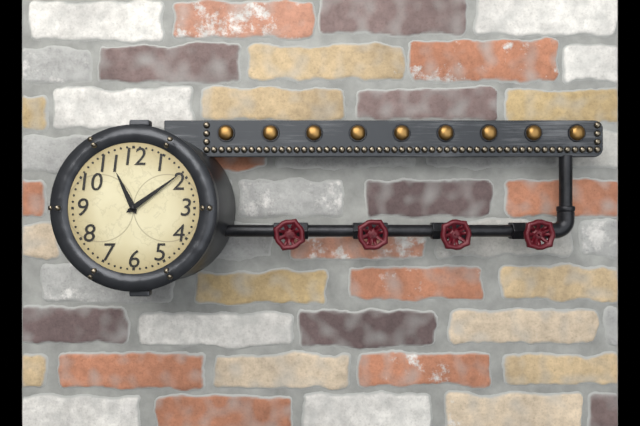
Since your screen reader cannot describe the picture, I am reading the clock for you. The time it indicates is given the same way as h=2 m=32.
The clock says h=11 m=9
